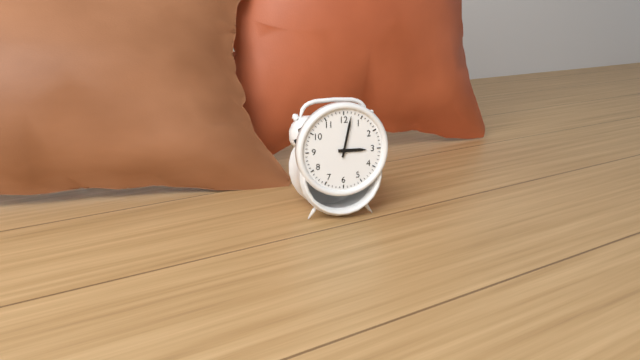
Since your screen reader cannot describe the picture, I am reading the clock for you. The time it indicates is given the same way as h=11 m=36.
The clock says h=3 m=2
